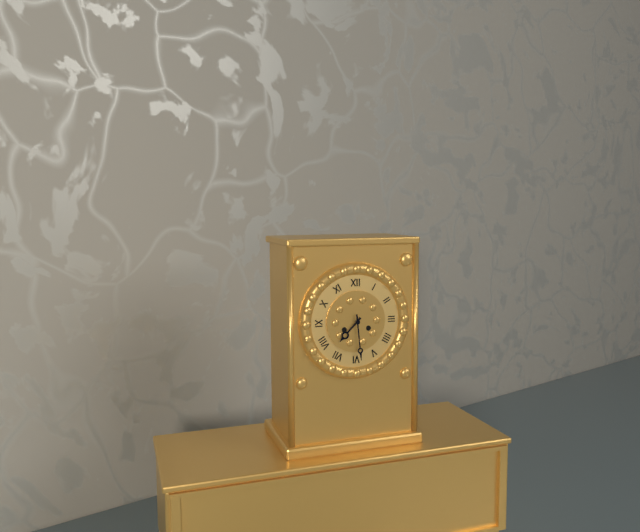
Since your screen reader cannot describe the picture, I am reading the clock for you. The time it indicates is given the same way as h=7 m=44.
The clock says h=7 m=29
